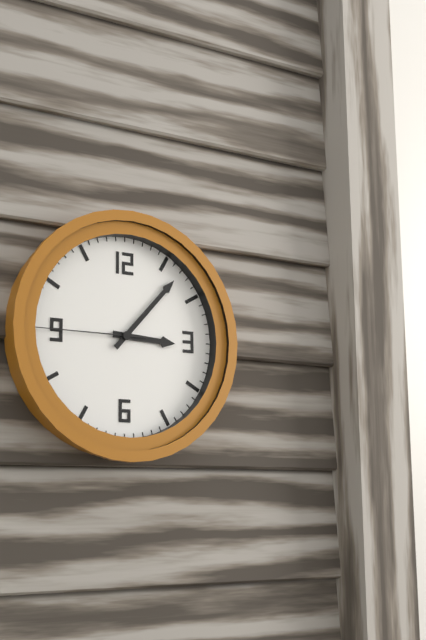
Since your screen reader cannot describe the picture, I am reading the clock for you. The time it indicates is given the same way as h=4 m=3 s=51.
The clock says h=3 m=7 s=45
